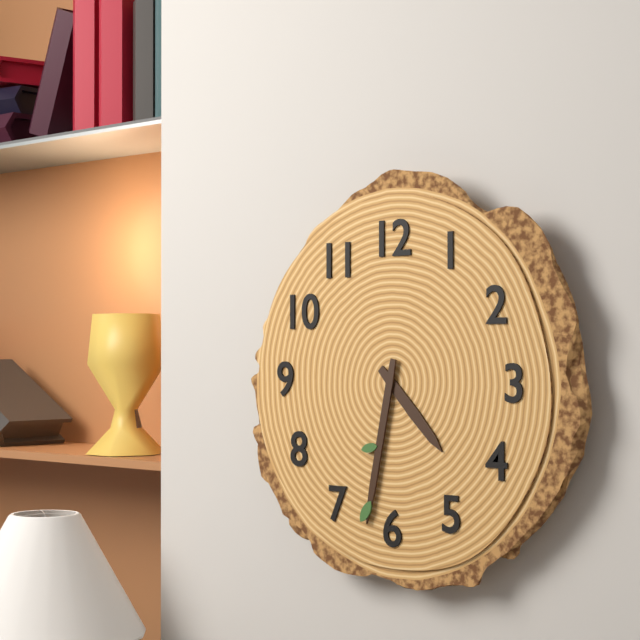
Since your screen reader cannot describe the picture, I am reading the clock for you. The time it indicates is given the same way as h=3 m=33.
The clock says h=4 m=32
